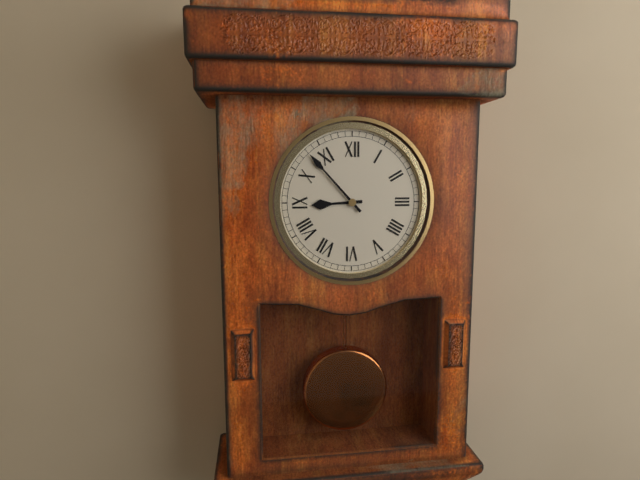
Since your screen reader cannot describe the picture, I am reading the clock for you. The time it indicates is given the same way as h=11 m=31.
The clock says h=8 m=53
